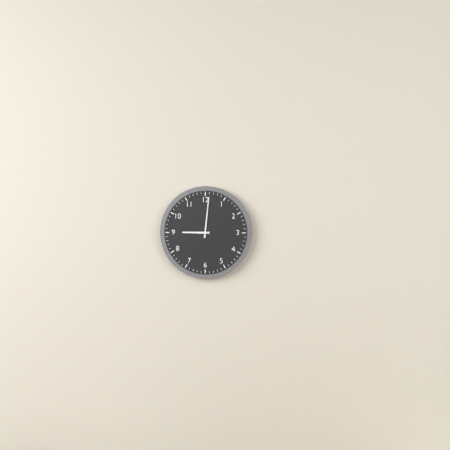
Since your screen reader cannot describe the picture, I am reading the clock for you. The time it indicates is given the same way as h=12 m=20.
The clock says h=9 m=1
